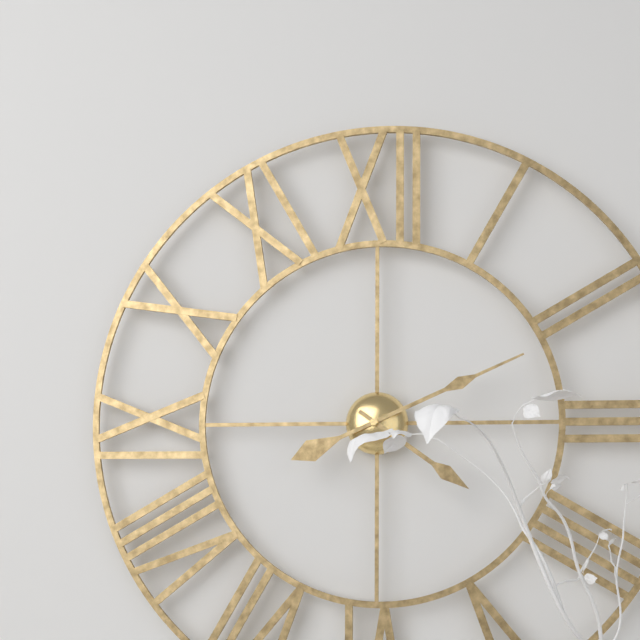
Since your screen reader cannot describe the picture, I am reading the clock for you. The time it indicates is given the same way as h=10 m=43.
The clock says h=4 m=11
